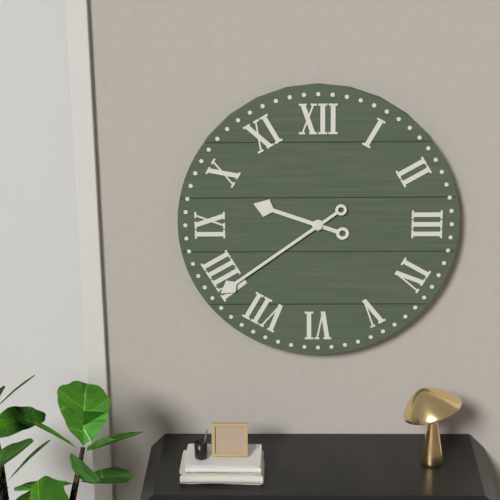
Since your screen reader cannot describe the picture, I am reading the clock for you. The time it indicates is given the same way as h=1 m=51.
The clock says h=9 m=39
